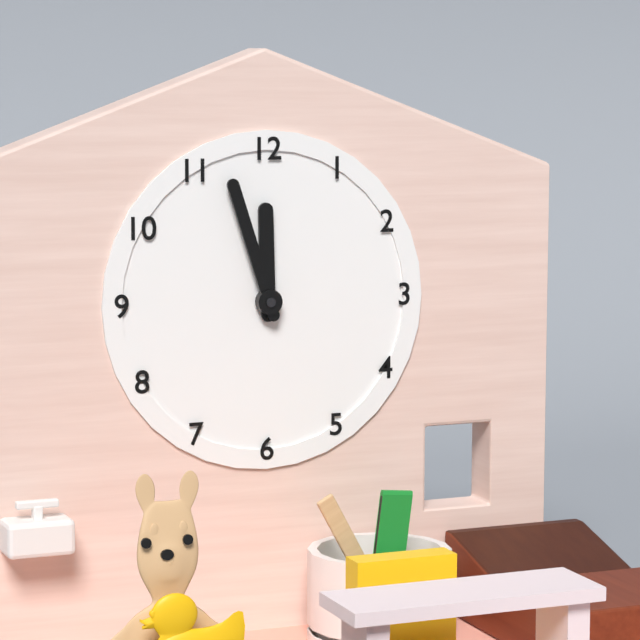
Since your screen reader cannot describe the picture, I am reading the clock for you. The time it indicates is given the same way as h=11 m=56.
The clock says h=11 m=57
